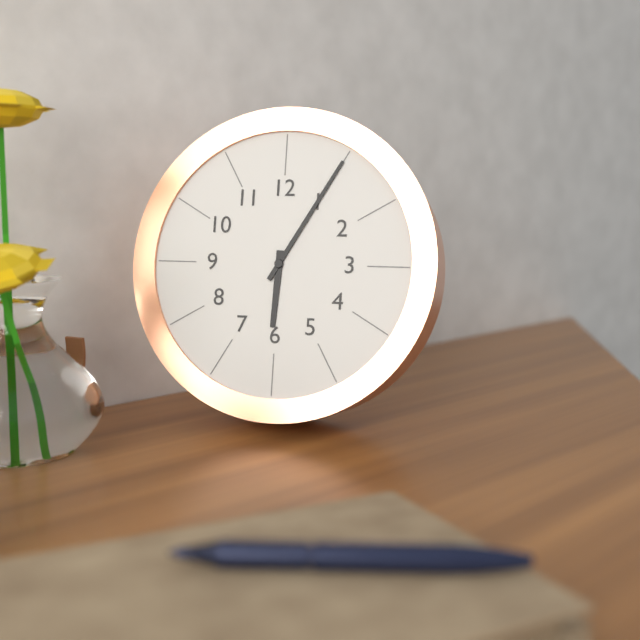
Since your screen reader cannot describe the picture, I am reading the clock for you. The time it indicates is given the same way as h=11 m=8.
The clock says h=6 m=5
